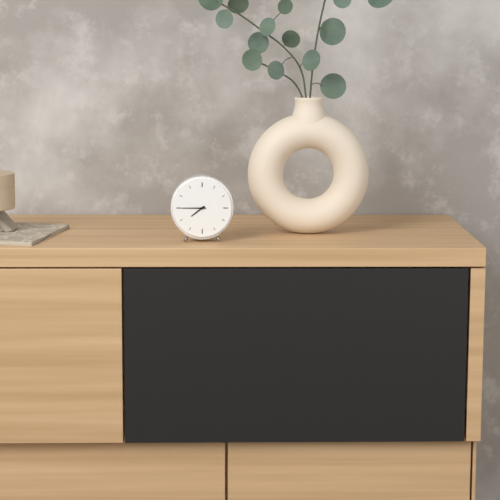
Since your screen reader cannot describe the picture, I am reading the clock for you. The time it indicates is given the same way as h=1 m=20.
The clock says h=7 m=45
